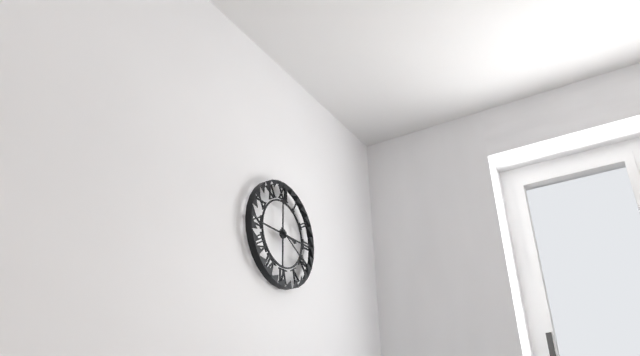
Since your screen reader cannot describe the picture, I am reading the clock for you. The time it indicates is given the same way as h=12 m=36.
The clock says h=3 m=20
